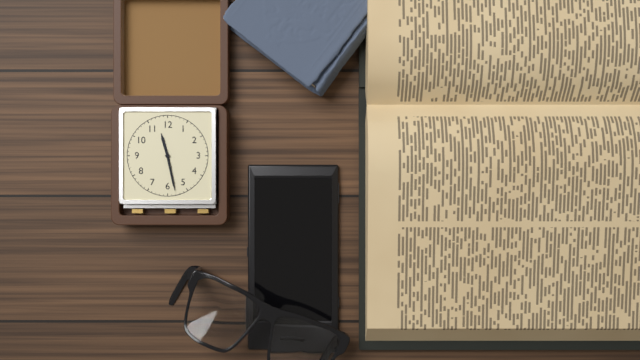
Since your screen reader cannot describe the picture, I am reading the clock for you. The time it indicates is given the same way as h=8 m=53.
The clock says h=11 m=28
